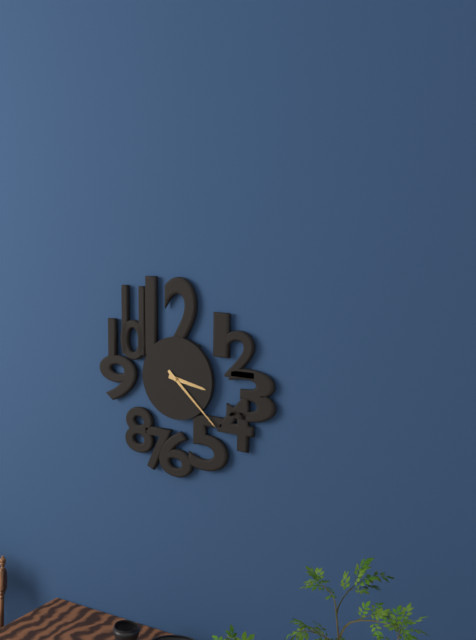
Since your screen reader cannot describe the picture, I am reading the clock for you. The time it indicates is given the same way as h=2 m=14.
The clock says h=3 m=22
